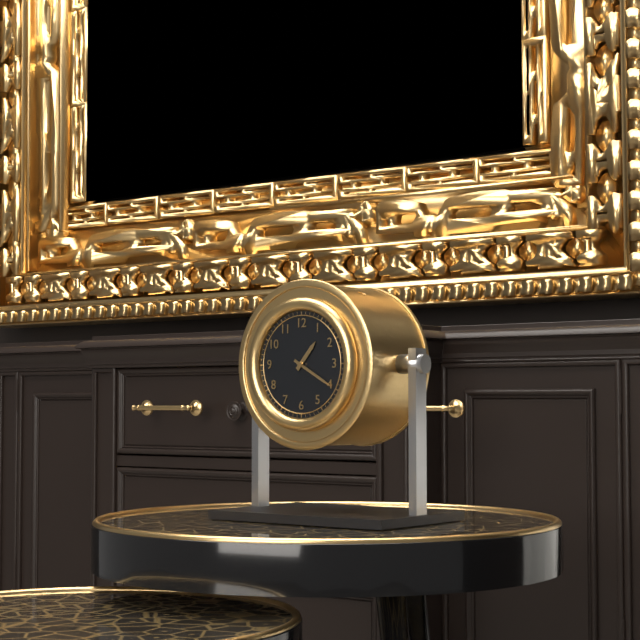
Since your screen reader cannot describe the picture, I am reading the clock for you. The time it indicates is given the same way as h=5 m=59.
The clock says h=1 m=20
